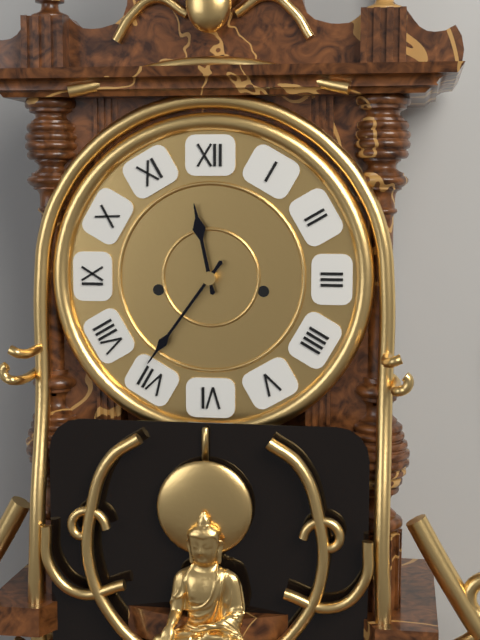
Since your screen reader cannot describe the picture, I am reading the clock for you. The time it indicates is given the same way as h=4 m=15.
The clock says h=11 m=36
